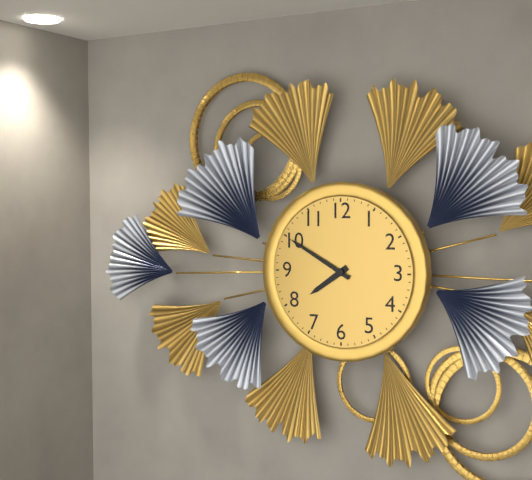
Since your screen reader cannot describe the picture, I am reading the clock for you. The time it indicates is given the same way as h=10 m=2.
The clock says h=7 m=50
